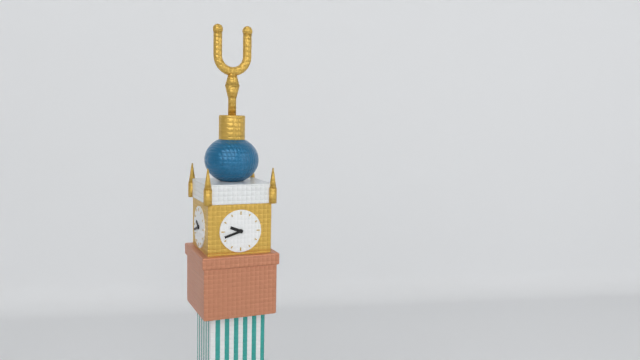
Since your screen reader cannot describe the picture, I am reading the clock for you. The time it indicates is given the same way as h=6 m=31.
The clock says h=9 m=42
